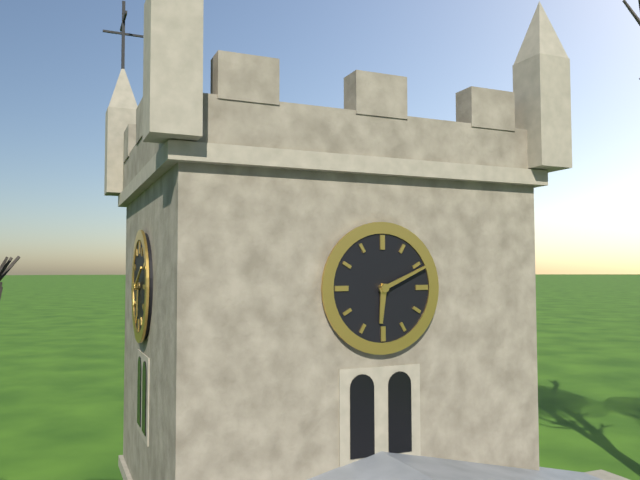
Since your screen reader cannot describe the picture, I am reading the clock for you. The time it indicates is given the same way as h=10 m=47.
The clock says h=6 m=11
